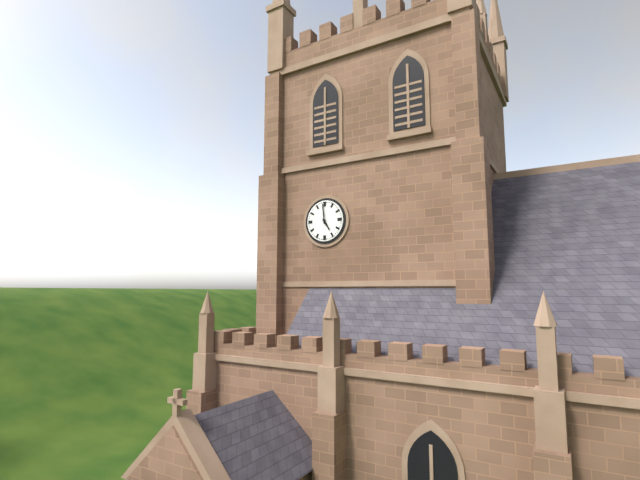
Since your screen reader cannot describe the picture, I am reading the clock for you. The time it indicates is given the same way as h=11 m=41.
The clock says h=4 m=59
